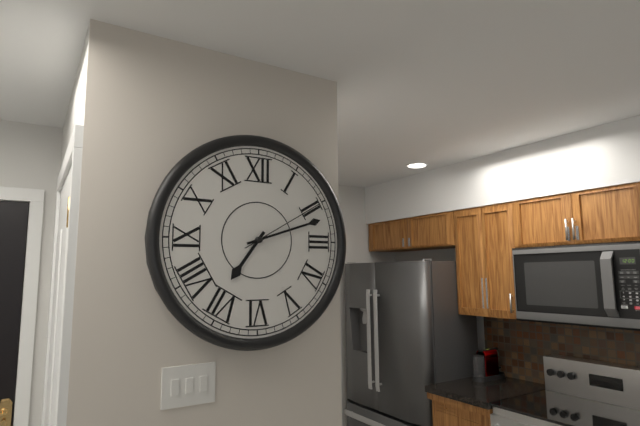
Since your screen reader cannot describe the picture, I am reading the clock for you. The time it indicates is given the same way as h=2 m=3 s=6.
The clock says h=7 m=12 s=10
